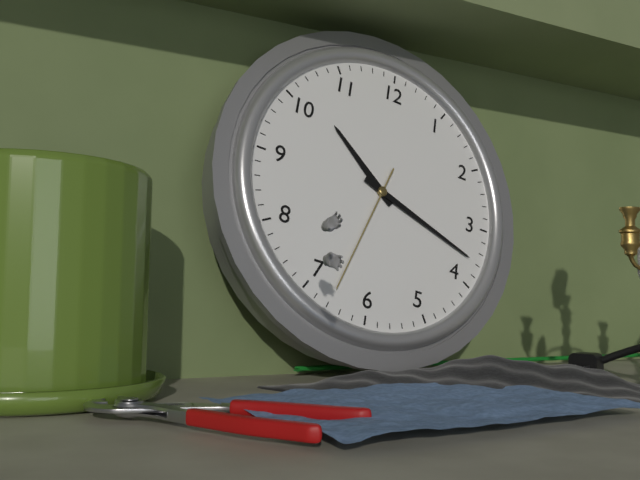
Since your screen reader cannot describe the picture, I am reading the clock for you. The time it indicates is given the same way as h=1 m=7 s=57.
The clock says h=10 m=18 s=33
